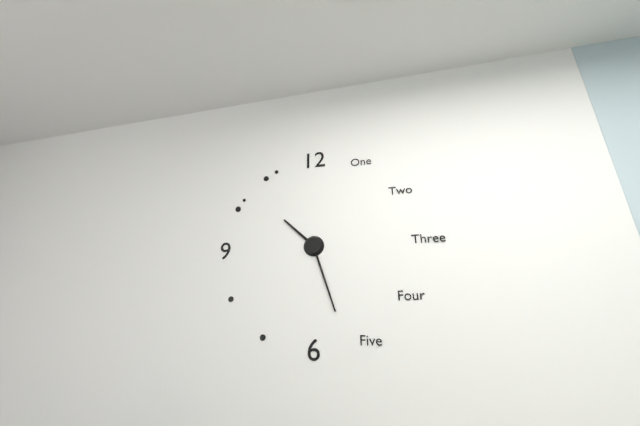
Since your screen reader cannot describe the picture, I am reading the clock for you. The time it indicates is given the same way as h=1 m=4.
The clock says h=10 m=27
